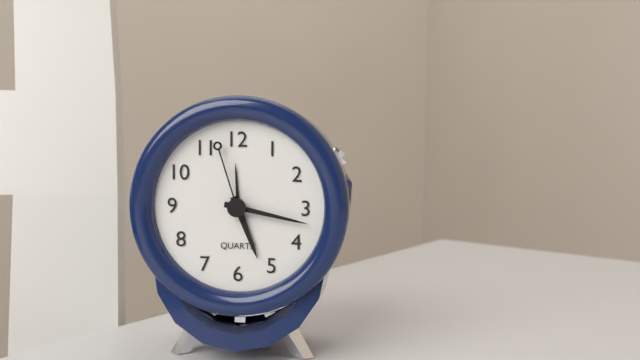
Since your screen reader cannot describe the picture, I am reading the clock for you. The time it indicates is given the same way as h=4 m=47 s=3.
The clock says h=5 m=17 s=57
